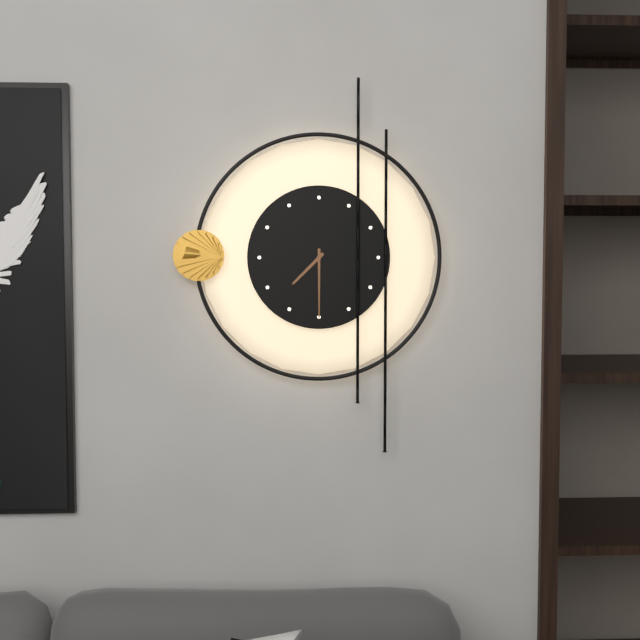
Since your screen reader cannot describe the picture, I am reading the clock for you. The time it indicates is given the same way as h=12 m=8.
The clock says h=7 m=30
